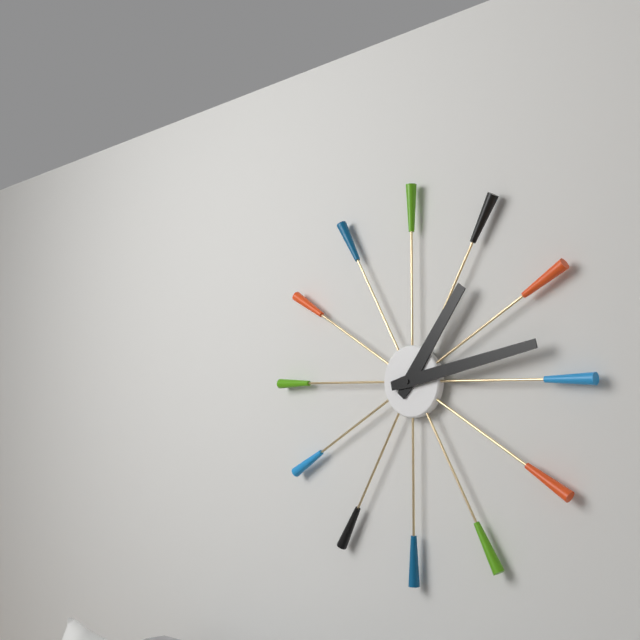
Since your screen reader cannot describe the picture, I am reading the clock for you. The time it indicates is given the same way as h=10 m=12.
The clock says h=1 m=13
